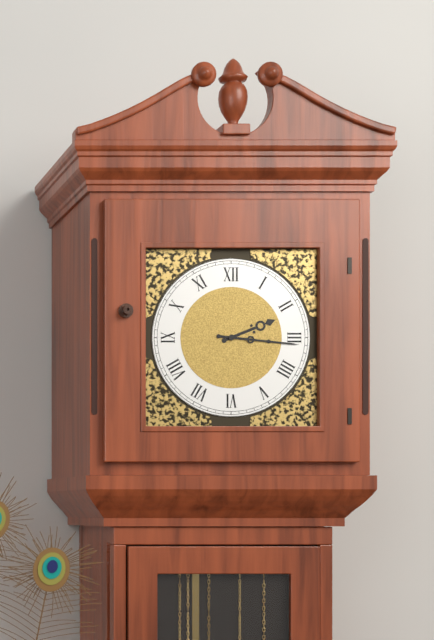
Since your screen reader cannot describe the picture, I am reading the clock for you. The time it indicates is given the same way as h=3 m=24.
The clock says h=2 m=16
